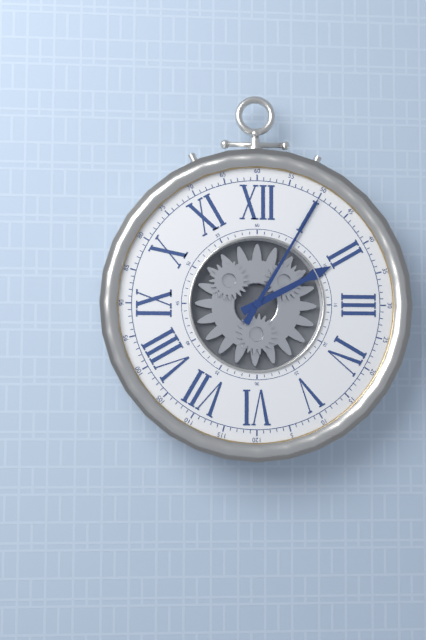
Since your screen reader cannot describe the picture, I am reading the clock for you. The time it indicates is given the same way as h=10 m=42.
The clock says h=2 m=5
